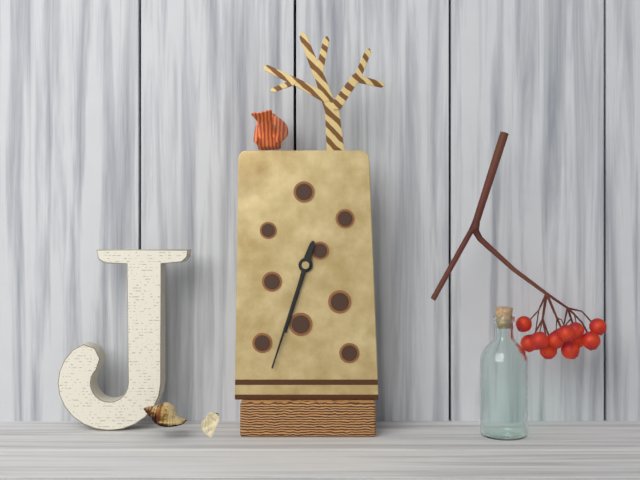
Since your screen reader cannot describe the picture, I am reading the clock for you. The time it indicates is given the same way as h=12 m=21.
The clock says h=6 m=33
